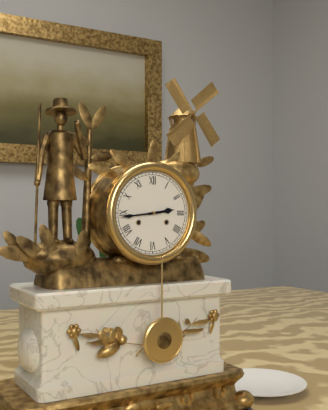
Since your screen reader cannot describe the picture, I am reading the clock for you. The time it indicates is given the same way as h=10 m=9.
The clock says h=2 m=44
